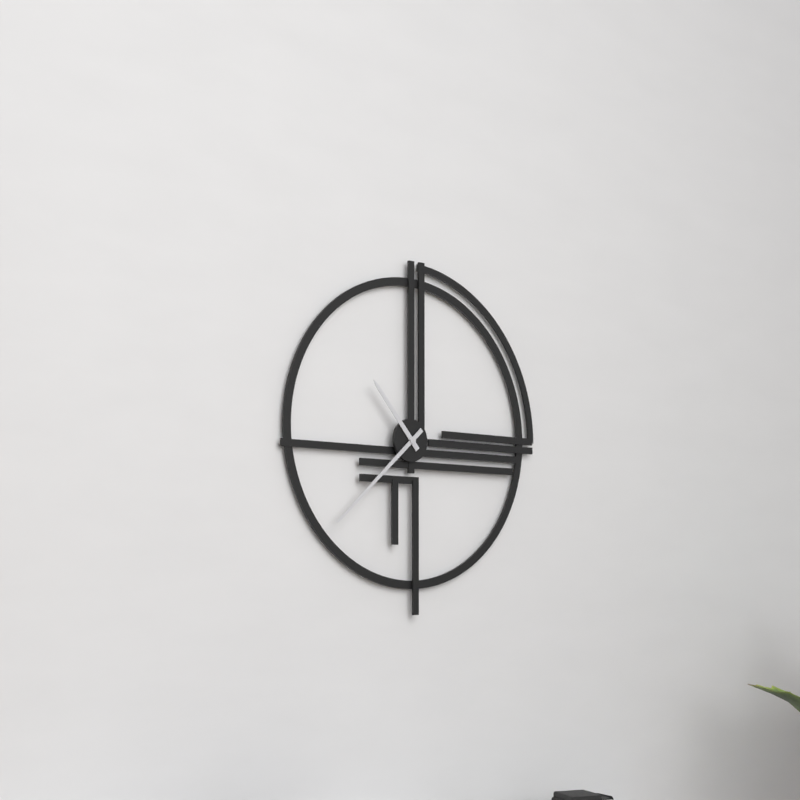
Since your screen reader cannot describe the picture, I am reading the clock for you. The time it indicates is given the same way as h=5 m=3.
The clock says h=10 m=38
